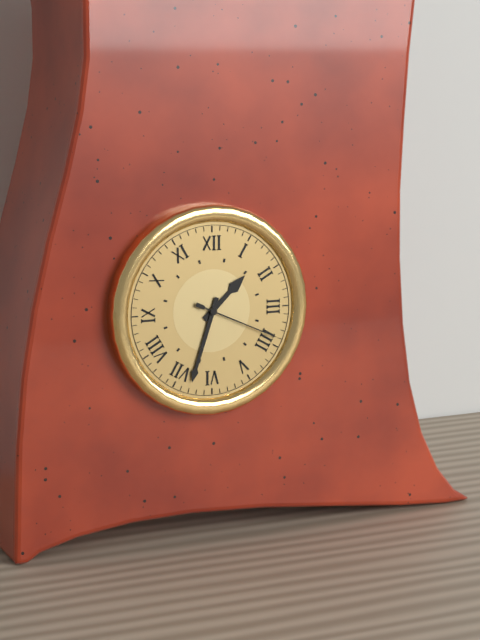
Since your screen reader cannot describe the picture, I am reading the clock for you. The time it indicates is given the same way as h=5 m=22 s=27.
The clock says h=1 m=33 s=19
